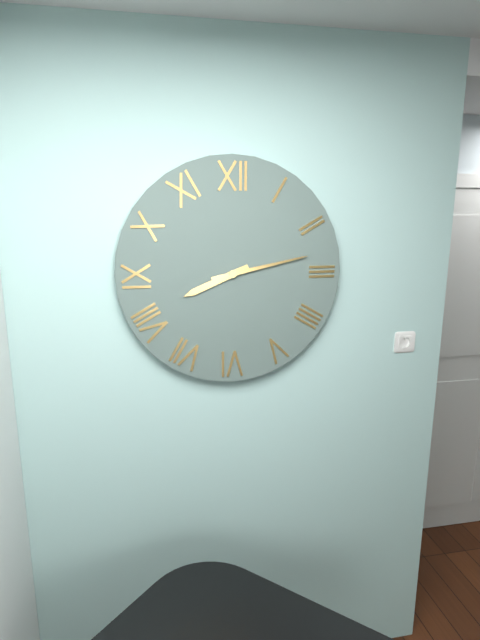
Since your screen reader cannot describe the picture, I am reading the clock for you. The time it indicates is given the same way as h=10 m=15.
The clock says h=8 m=13
